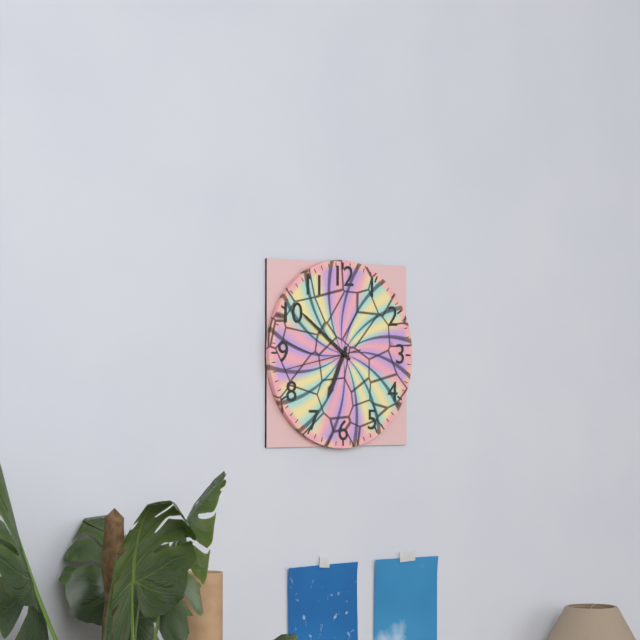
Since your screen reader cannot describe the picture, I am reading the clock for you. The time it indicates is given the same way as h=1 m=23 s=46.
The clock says h=6 m=51 s=43
